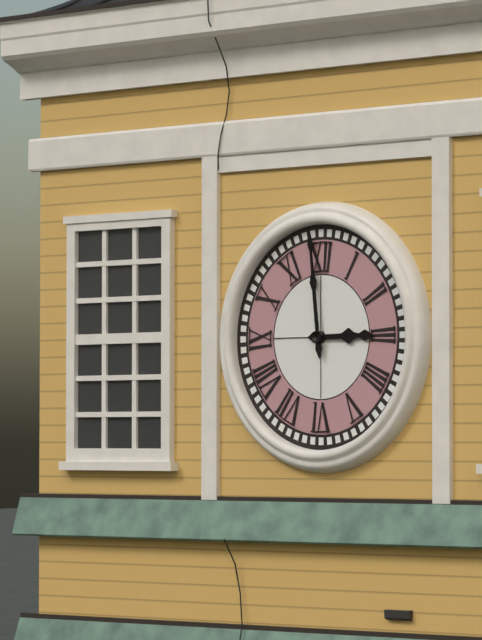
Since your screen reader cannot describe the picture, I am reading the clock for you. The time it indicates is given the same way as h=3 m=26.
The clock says h=2 m=59
